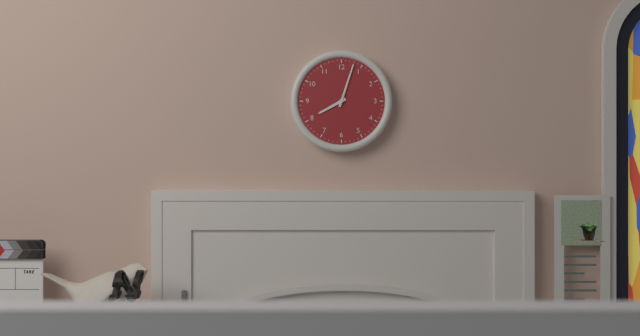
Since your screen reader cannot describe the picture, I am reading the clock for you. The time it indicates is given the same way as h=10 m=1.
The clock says h=8 m=3
